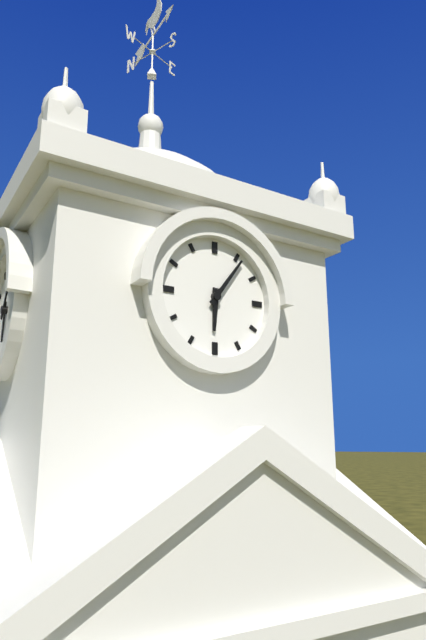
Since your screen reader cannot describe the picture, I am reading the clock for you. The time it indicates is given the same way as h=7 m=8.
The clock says h=6 m=6
